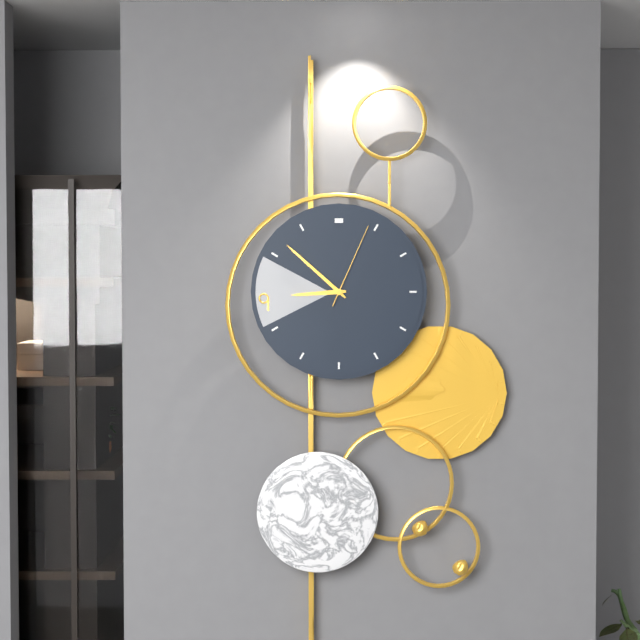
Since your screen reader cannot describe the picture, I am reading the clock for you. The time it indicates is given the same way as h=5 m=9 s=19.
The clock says h=8 m=52 s=4
